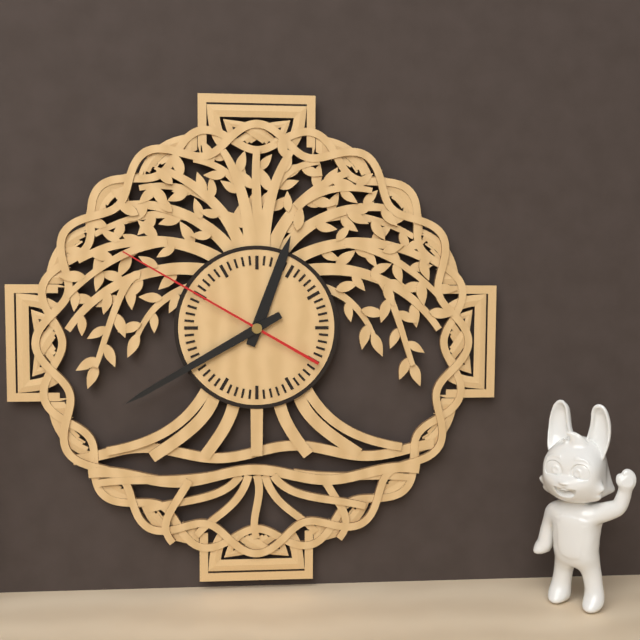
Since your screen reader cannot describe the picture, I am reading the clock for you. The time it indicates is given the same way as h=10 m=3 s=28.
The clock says h=12 m=40 s=50
